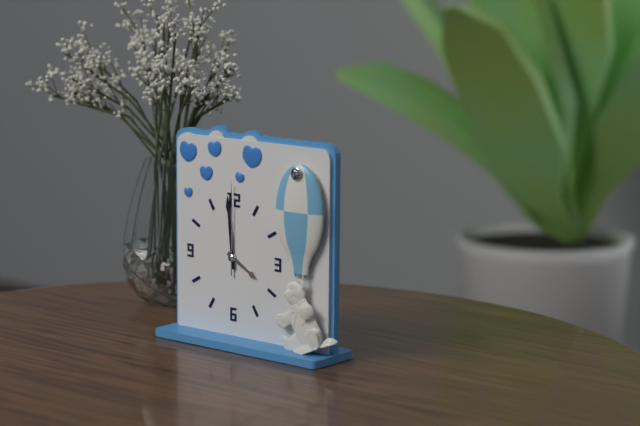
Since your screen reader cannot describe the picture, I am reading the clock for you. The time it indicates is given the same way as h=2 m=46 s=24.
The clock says h=3 m=59 s=0
